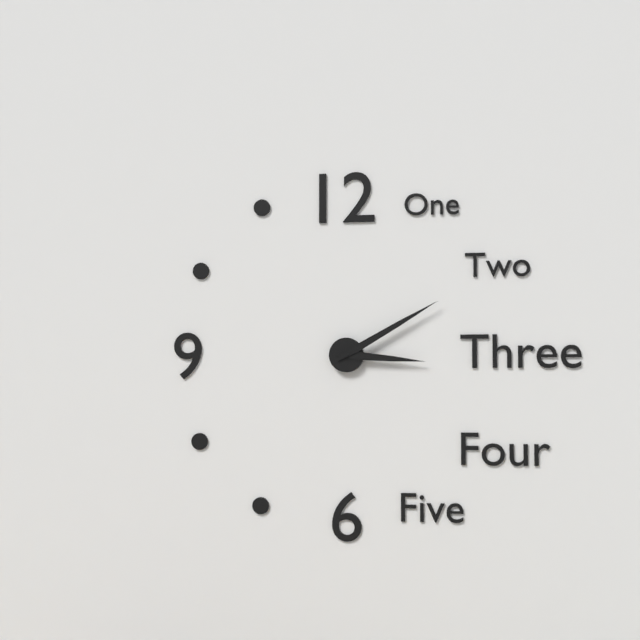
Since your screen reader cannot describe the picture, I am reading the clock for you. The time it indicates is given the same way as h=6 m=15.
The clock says h=3 m=10
